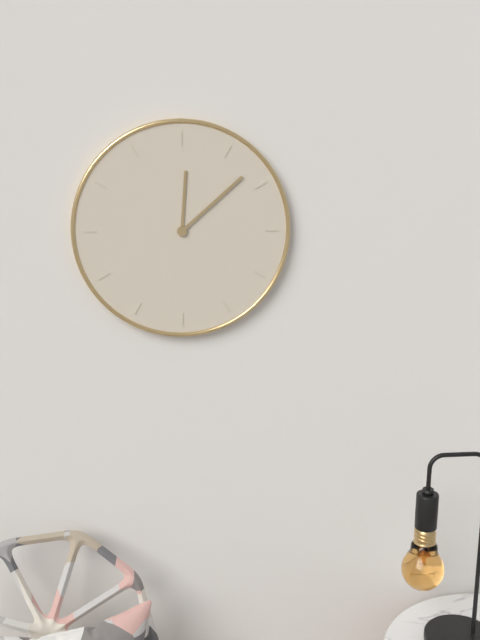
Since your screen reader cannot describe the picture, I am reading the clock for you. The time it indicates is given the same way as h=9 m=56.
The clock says h=12 m=8
